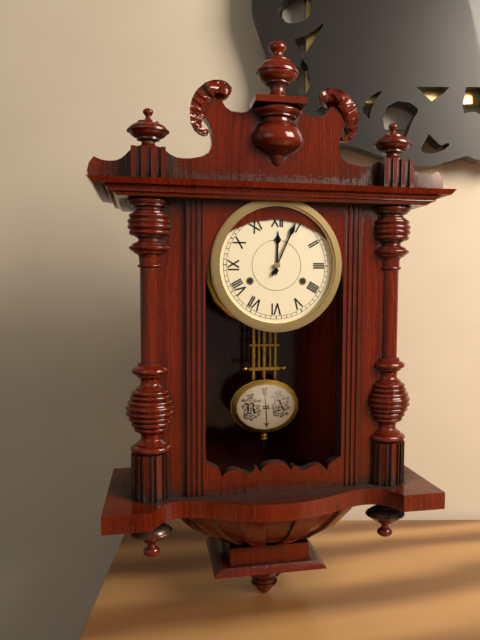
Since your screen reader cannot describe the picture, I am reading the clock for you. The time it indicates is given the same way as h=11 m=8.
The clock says h=12 m=4
